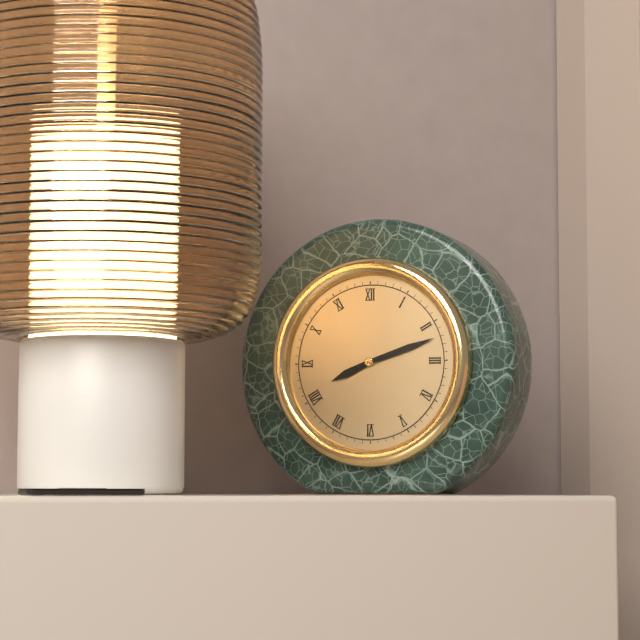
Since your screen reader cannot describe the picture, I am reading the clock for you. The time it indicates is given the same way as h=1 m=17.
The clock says h=8 m=12
